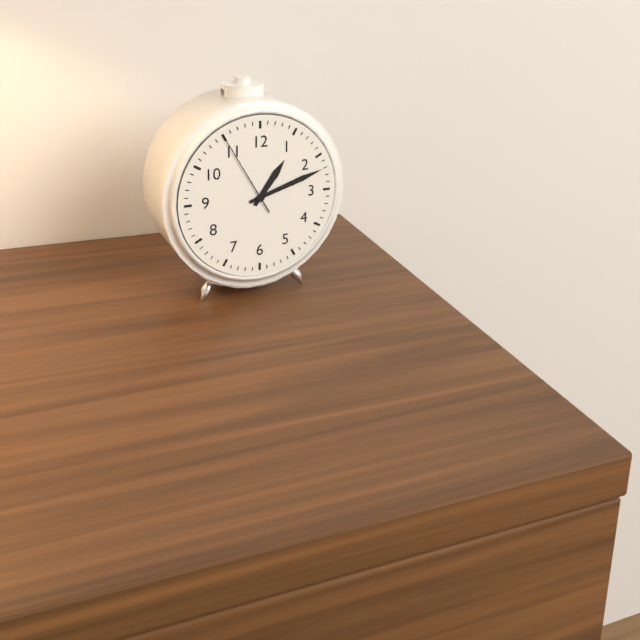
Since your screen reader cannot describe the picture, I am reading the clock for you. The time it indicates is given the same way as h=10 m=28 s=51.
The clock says h=1 m=12 s=55
